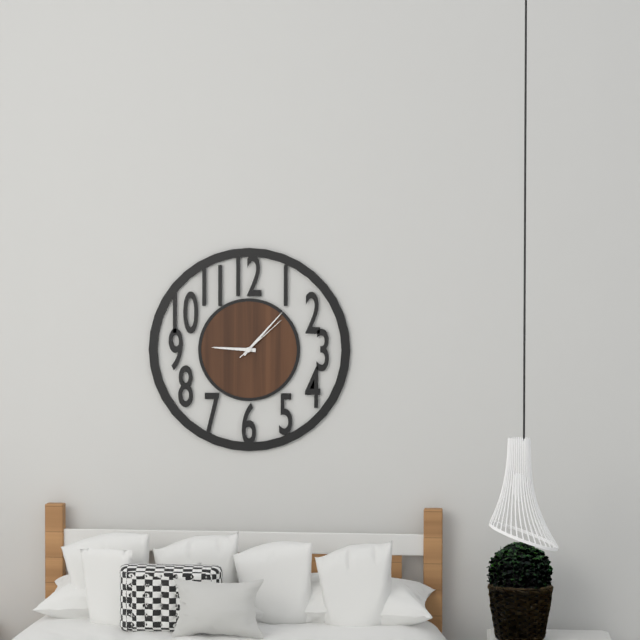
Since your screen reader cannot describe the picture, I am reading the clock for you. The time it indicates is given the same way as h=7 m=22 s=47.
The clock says h=9 m=7 s=8
